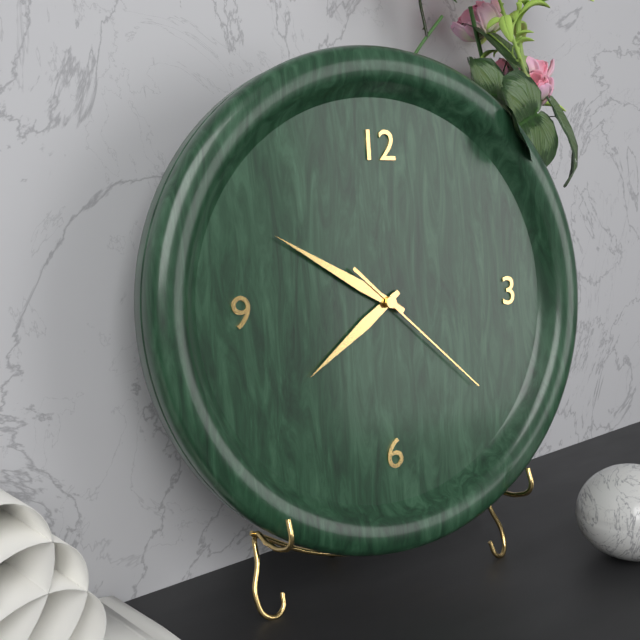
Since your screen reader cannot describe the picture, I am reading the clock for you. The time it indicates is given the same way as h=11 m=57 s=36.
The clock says h=7 m=50 s=22
